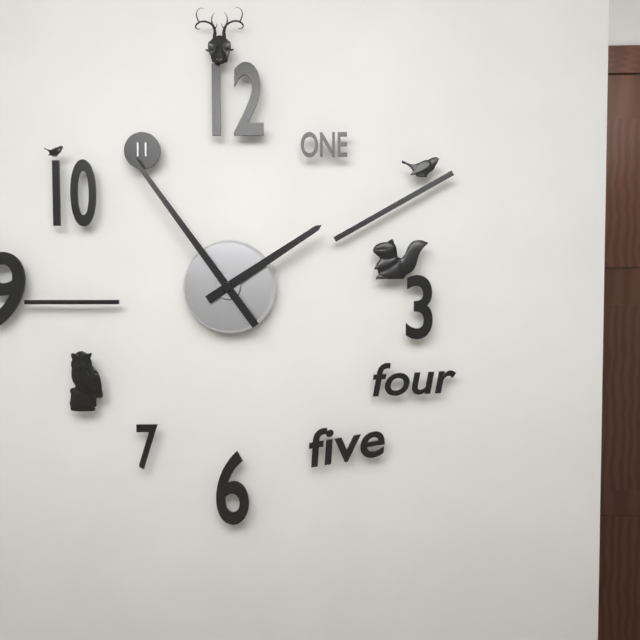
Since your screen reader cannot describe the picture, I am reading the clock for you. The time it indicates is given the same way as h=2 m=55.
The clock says h=1 m=54
